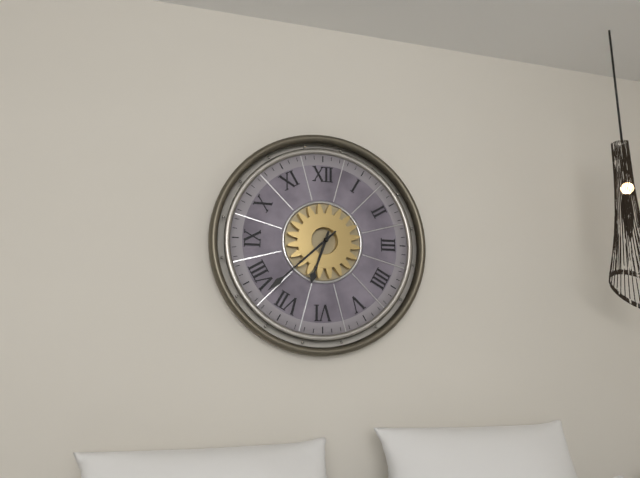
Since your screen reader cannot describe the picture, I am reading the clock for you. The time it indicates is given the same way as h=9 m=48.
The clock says h=6 m=38
